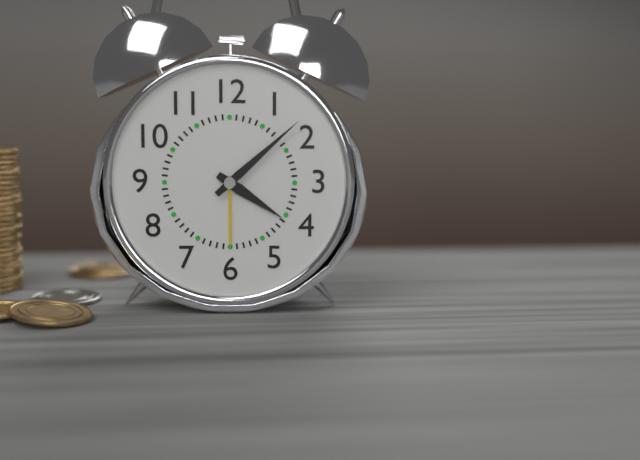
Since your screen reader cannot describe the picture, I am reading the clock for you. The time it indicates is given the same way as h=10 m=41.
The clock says h=4 m=8
